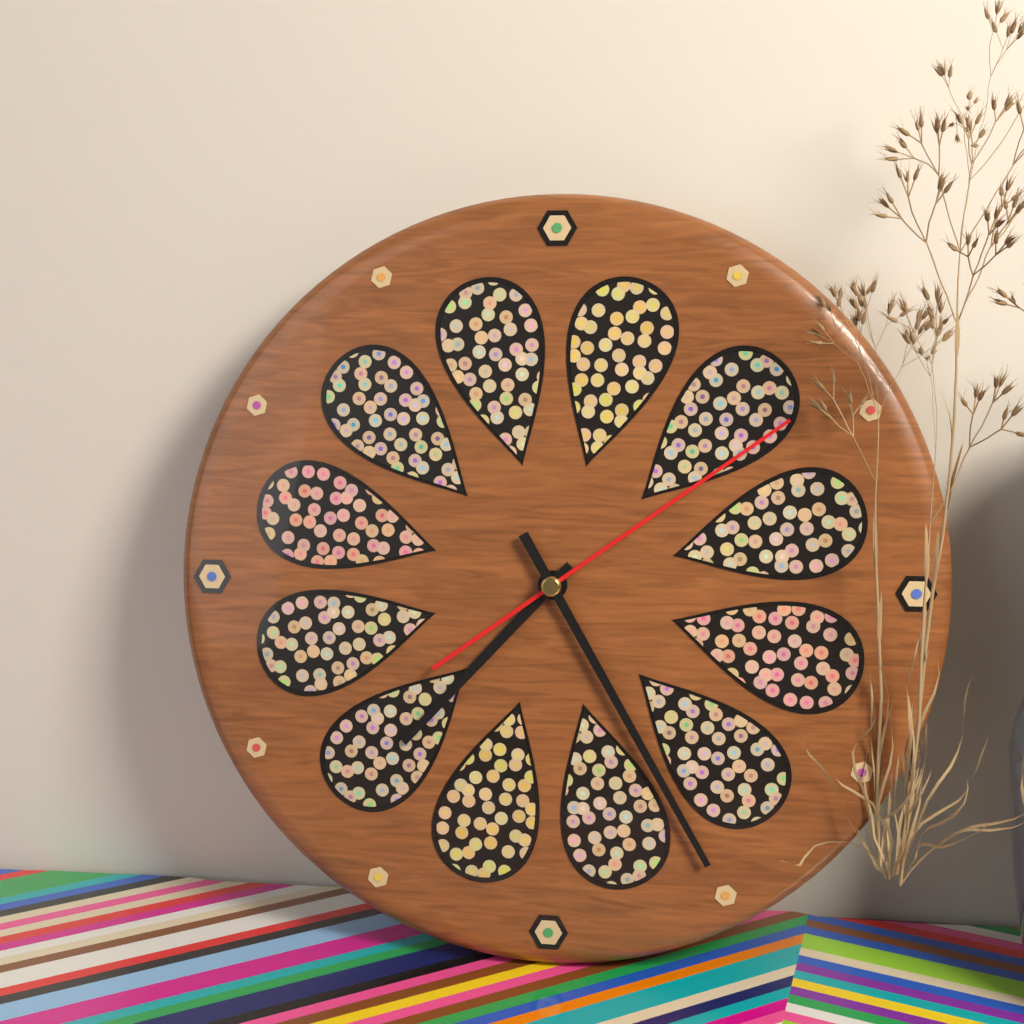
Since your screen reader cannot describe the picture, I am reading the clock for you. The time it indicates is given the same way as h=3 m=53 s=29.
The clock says h=7 m=25 s=9
